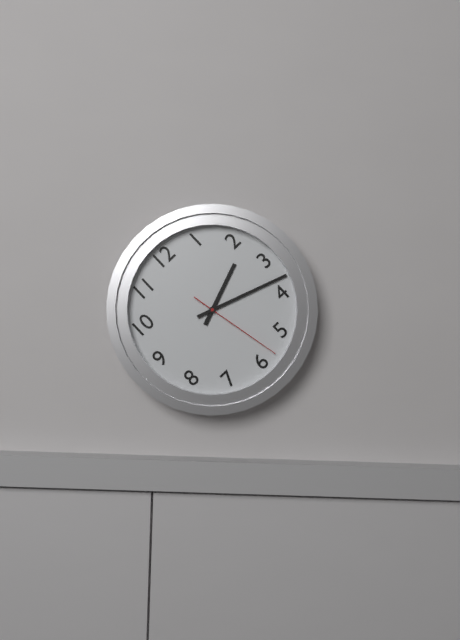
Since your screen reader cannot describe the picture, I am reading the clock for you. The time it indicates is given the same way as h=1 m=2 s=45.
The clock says h=2 m=18 s=28
